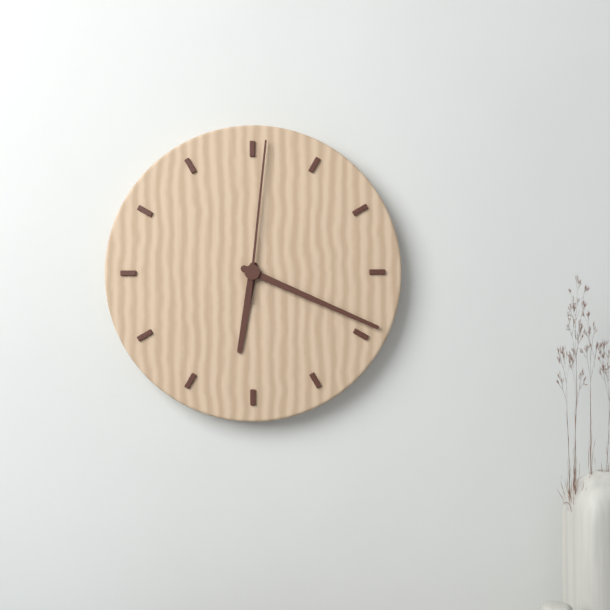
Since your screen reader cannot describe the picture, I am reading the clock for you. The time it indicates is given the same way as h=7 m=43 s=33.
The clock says h=6 m=19 s=1
